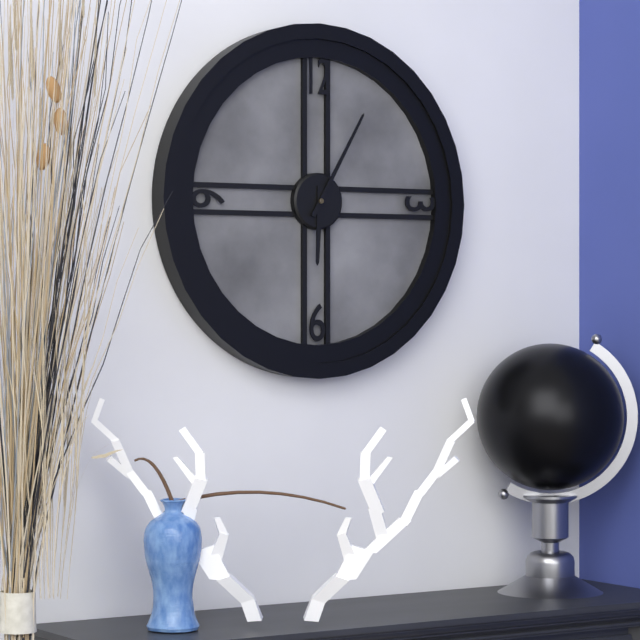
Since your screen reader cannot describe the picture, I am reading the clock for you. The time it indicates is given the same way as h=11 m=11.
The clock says h=6 m=5
